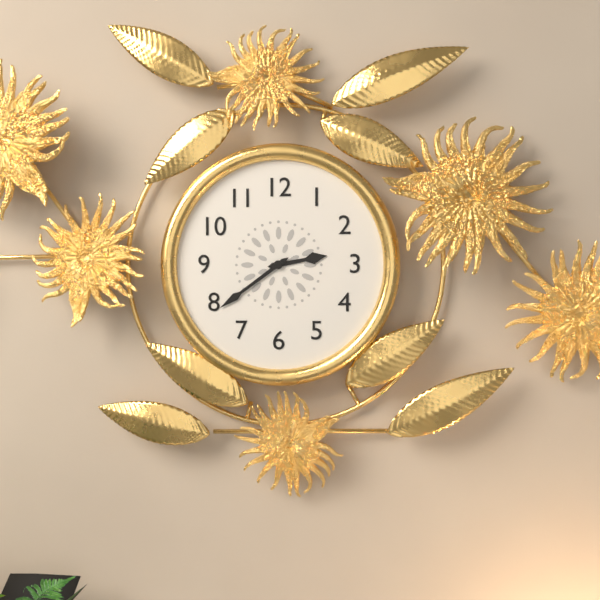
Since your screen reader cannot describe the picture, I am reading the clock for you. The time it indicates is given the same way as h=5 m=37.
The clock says h=2 m=39
